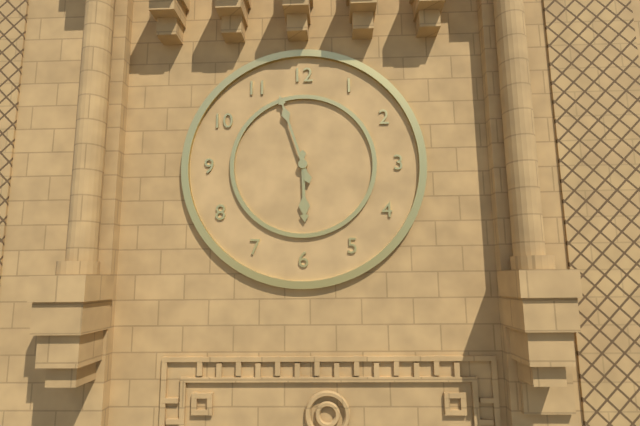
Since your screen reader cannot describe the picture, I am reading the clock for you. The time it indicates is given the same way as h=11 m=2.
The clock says h=5 m=57
